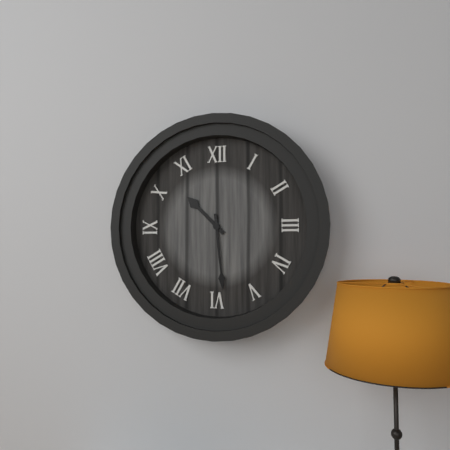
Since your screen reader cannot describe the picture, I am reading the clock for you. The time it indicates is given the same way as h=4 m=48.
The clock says h=10 m=29
